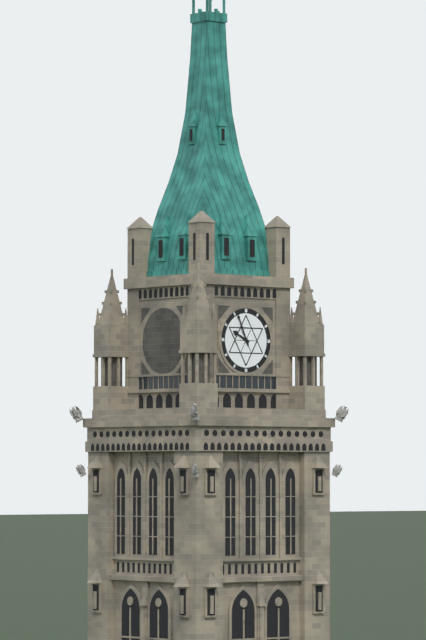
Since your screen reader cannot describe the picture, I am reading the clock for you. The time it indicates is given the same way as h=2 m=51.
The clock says h=9 m=56
